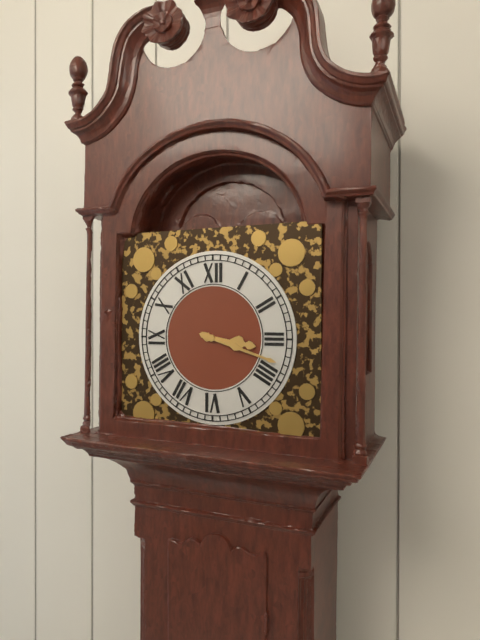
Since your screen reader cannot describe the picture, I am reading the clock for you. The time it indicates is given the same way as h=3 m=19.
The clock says h=3 m=18
